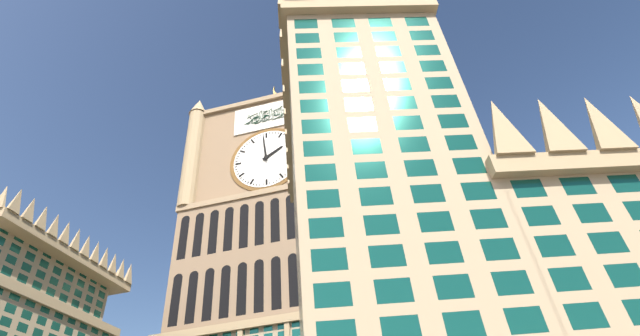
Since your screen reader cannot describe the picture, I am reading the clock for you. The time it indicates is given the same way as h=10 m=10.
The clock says h=1 m=59
